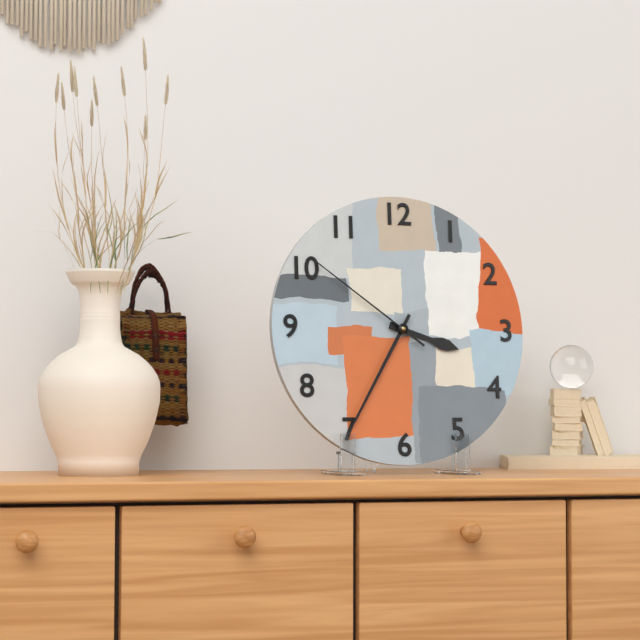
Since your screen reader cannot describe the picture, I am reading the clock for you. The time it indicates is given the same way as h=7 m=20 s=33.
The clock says h=3 m=35 s=51
